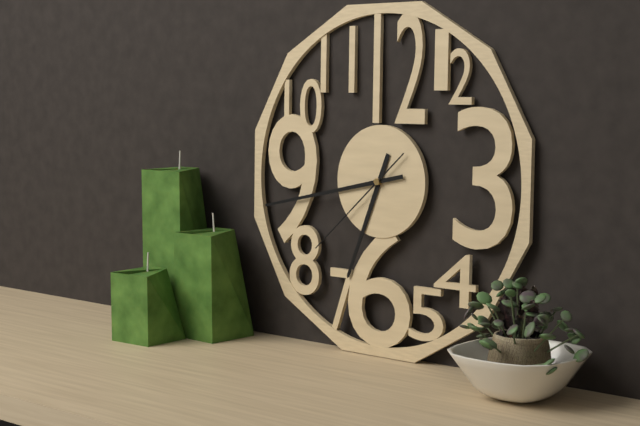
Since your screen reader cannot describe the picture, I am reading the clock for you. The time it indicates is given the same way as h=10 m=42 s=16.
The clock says h=6 m=43 s=38
